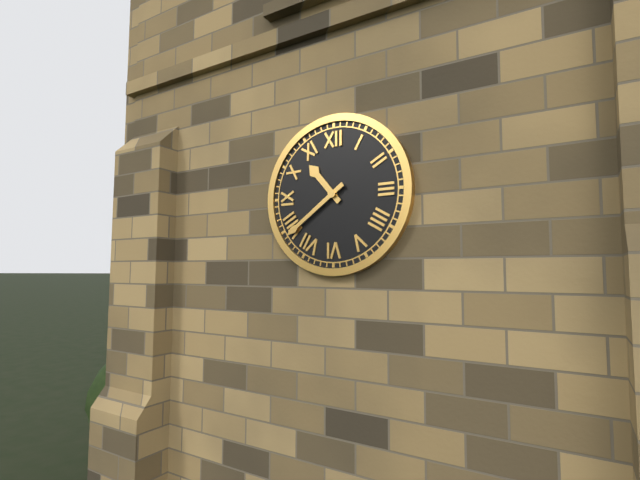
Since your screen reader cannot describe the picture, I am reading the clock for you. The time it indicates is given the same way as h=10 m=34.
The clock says h=10 m=39
